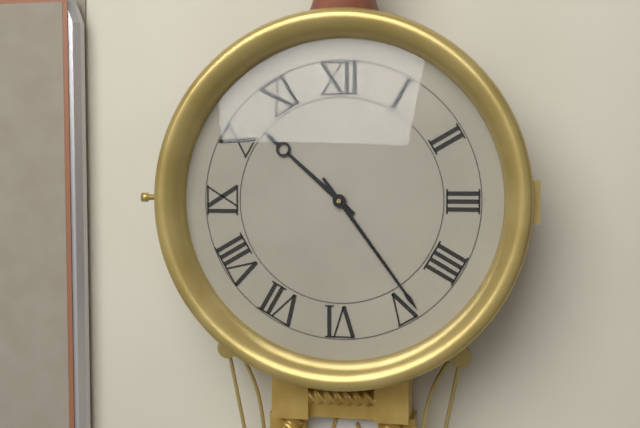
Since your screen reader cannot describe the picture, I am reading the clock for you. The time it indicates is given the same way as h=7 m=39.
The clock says h=10 m=24
